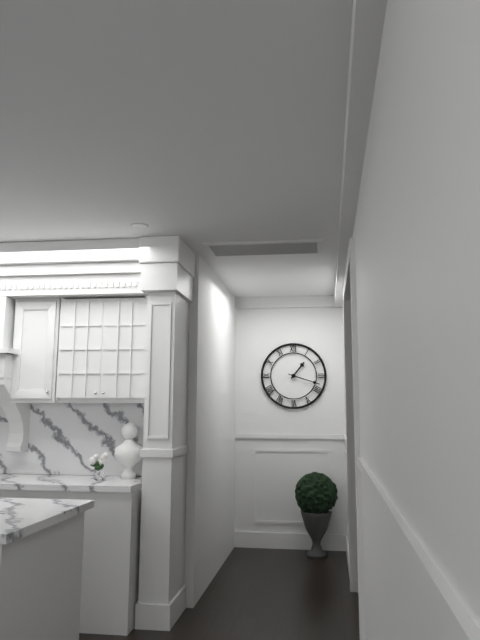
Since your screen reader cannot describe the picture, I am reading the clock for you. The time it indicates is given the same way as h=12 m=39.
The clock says h=1 m=18
